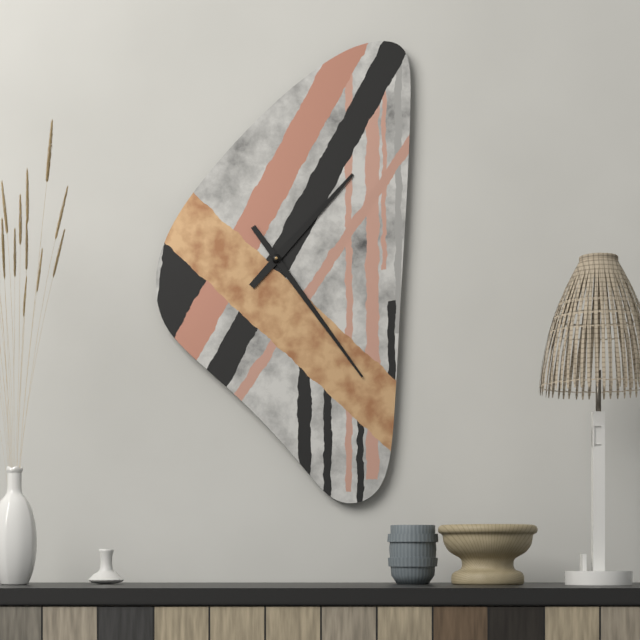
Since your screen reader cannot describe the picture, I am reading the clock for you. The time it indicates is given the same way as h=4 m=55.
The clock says h=1 m=24
